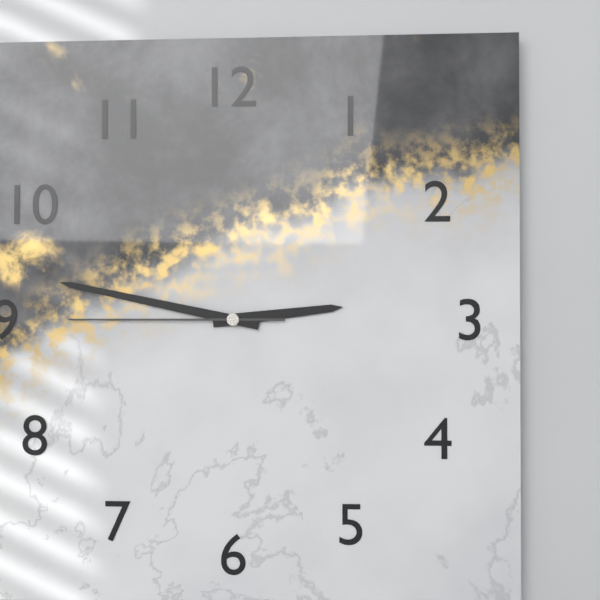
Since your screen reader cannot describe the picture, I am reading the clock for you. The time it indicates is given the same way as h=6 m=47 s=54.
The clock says h=2 m=47 s=45
